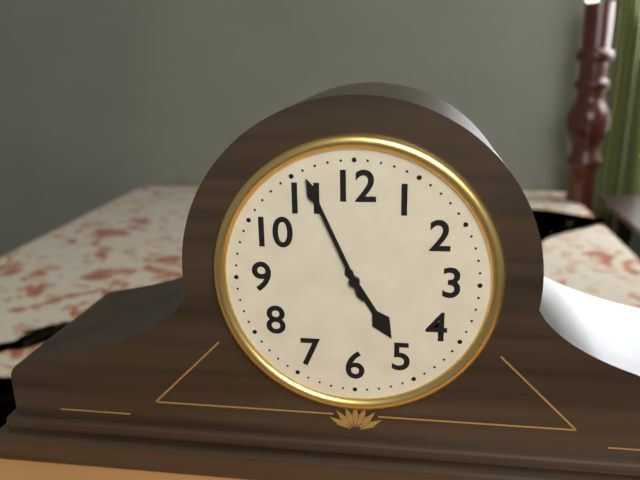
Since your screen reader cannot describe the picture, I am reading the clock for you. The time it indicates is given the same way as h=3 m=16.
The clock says h=4 m=56
